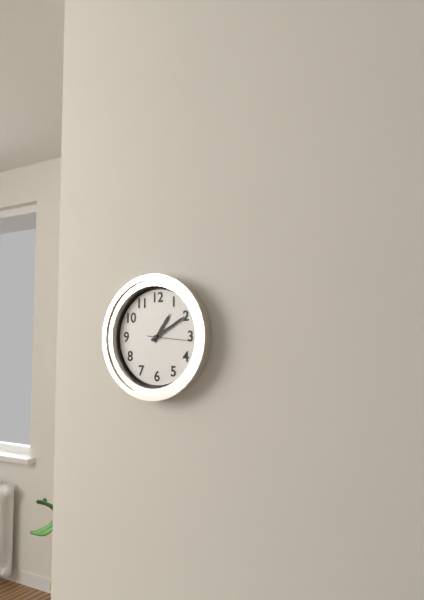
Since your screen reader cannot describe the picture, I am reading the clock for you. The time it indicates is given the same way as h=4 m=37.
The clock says h=1 m=10
